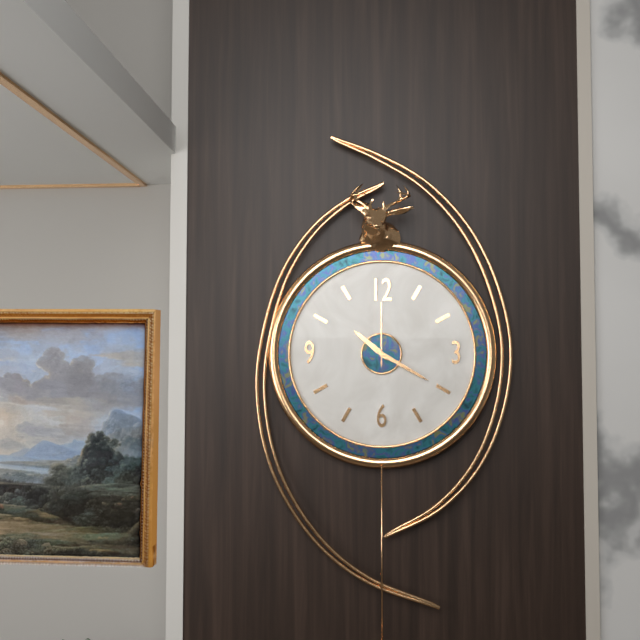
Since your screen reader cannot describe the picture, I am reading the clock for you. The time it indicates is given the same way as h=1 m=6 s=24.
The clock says h=10 m=20 s=0
